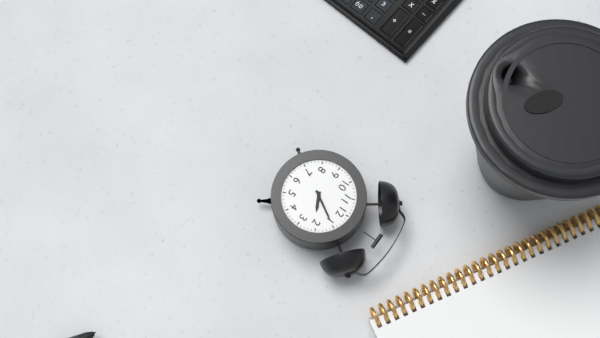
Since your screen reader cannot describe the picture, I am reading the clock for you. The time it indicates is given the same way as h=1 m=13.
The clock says h=2 m=5
